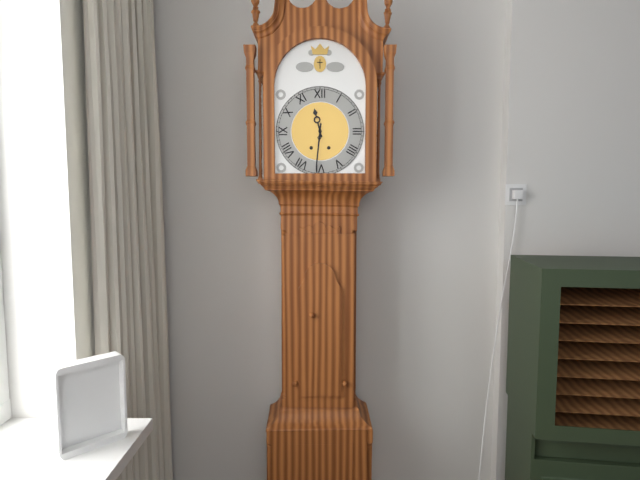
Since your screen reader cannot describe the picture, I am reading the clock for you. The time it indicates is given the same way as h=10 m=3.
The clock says h=11 m=31
